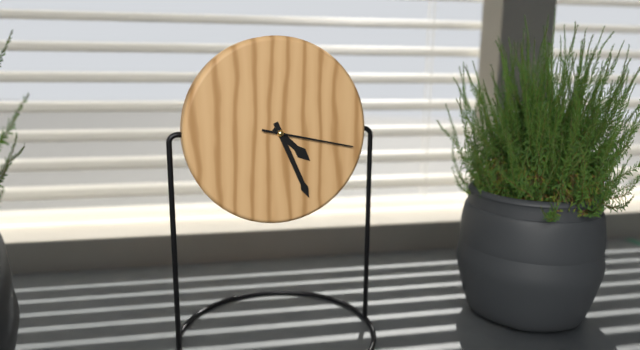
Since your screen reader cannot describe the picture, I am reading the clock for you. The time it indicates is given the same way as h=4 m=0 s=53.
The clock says h=4 m=26 s=17
